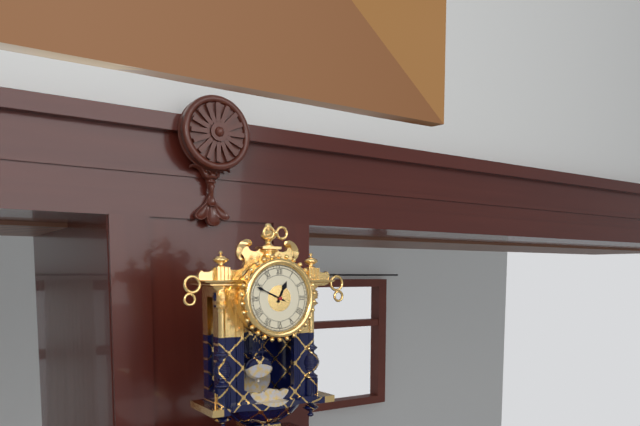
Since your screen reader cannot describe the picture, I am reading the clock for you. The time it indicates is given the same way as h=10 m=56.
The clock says h=12 m=49
